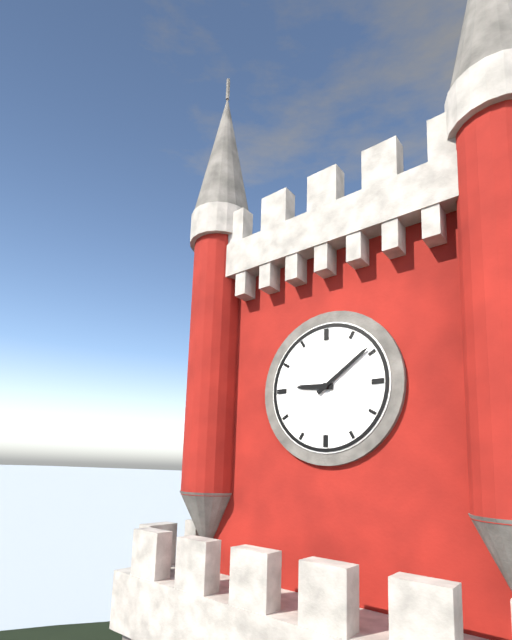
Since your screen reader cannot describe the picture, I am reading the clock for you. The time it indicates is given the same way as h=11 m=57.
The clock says h=9 m=9
